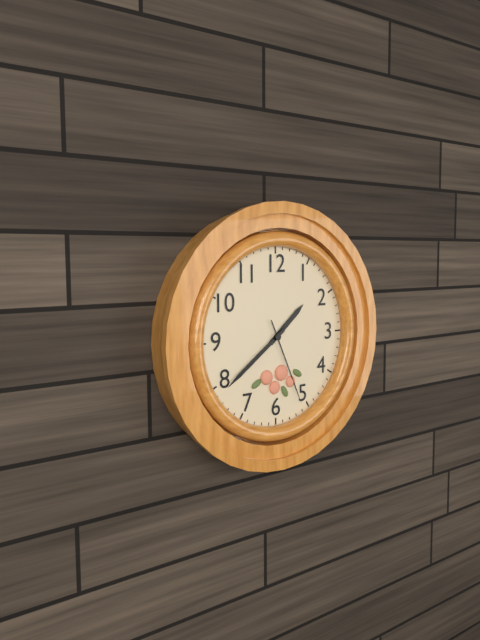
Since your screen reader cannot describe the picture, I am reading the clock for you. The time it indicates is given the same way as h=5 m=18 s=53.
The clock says h=1 m=39 s=26
